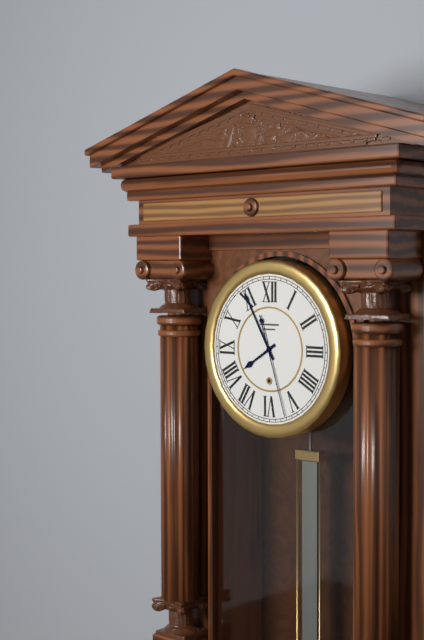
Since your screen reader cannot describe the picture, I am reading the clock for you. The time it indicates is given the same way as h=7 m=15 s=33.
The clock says h=7 m=55 s=27
